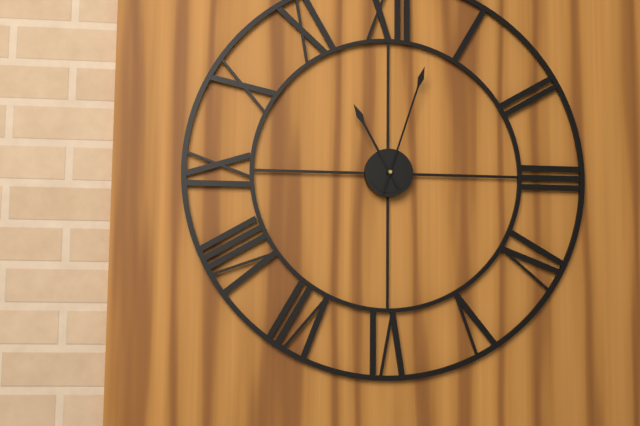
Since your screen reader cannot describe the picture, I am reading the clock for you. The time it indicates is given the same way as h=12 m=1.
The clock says h=11 m=3
